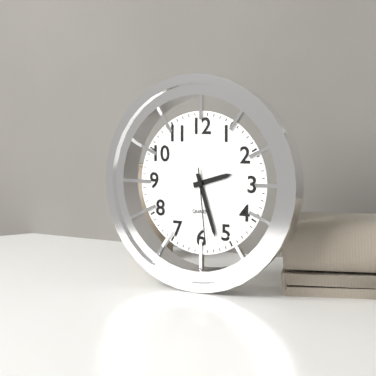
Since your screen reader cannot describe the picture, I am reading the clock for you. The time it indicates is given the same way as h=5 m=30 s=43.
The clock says h=2 m=27 s=29
